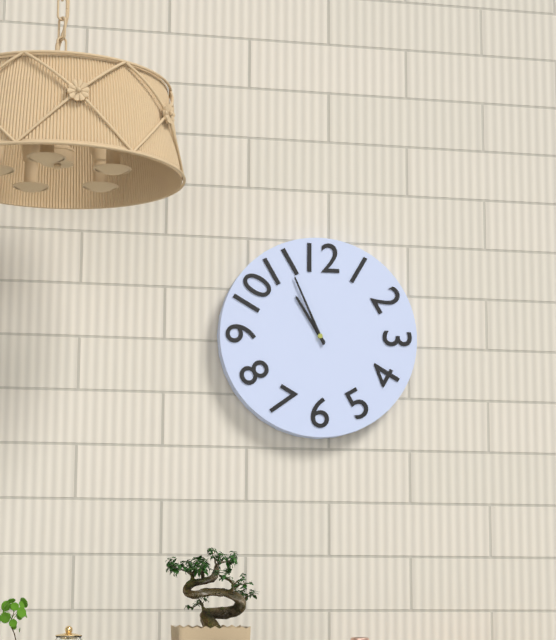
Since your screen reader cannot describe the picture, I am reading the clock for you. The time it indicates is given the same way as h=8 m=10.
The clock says h=10 m=56
